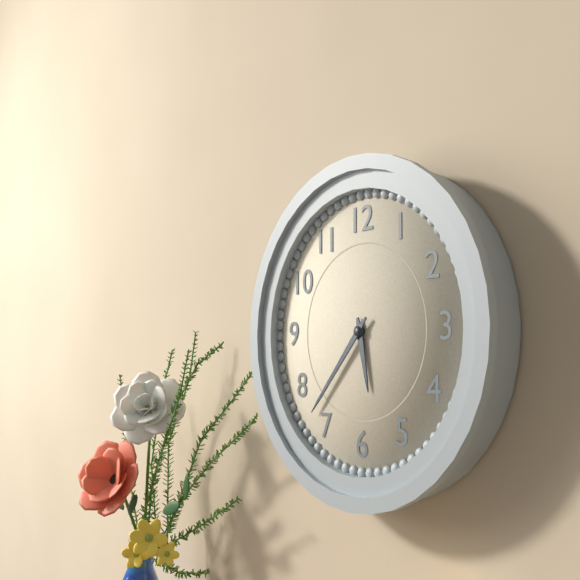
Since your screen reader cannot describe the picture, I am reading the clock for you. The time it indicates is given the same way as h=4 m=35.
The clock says h=5 m=37
